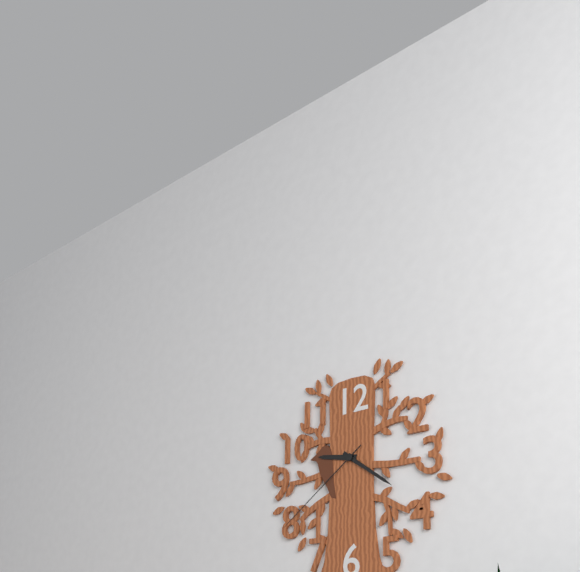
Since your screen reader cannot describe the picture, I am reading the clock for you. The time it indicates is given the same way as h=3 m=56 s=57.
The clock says h=9 m=21 s=39
